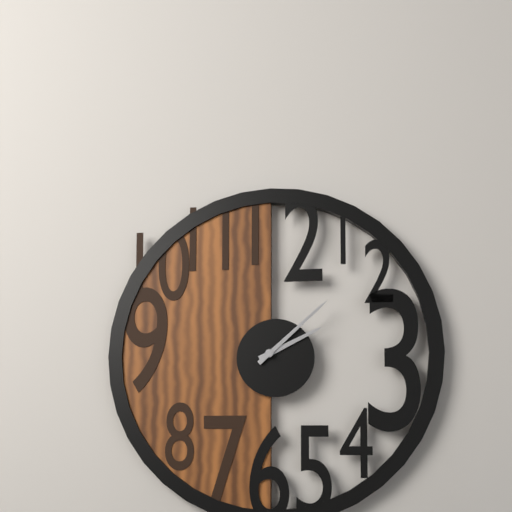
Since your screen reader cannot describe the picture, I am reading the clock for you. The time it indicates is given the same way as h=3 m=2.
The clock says h=2 m=8
